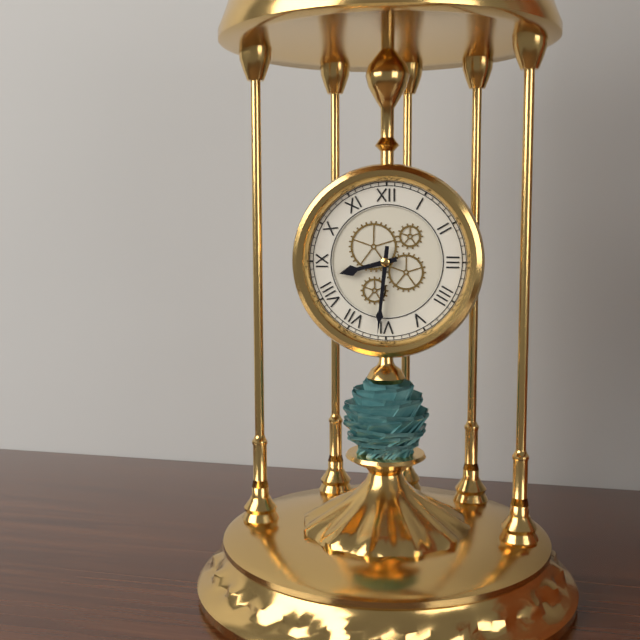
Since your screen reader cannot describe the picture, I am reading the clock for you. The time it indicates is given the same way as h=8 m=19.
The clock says h=8 m=31
